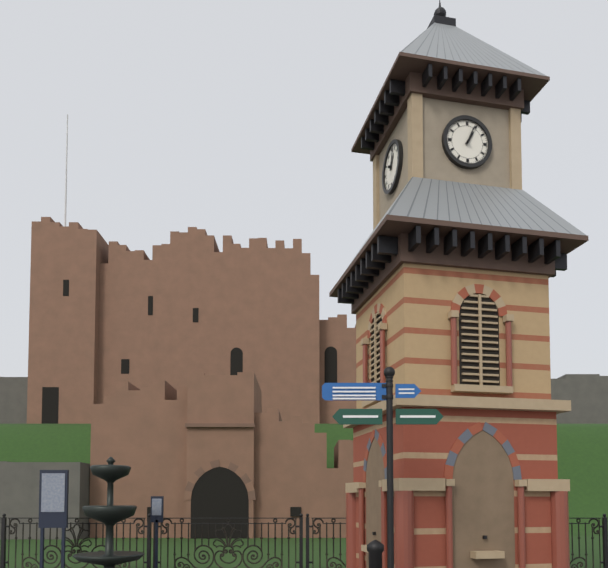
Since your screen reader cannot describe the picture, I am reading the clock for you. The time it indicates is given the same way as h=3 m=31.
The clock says h=1 m=4
